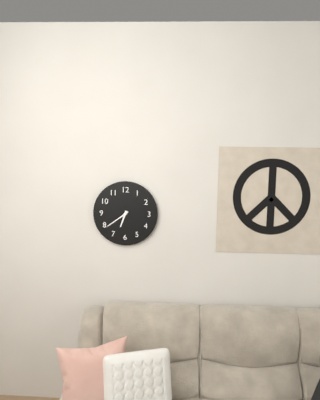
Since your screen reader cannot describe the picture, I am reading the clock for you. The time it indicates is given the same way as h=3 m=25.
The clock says h=6 m=39
